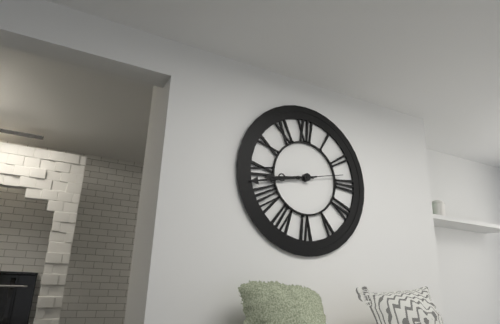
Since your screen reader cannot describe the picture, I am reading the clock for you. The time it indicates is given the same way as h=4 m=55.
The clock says h=8 m=43
